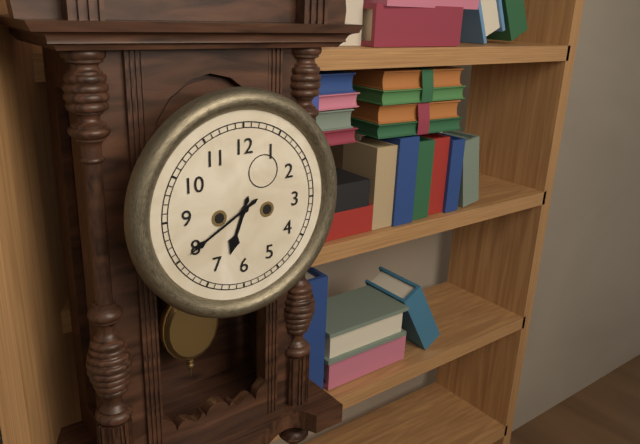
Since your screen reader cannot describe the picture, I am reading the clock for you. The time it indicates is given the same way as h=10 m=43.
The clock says h=6 m=40
